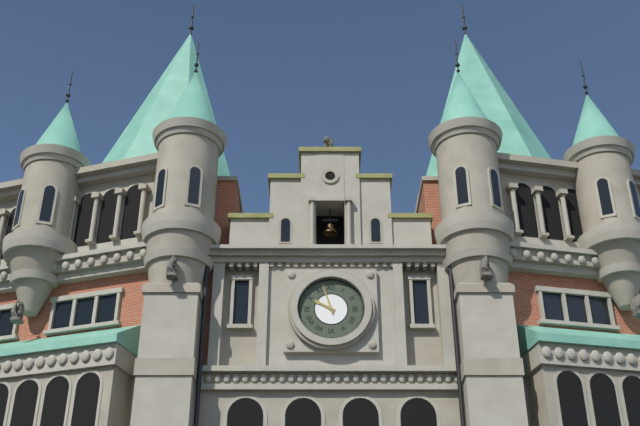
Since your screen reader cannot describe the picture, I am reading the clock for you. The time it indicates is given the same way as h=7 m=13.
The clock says h=9 m=57
